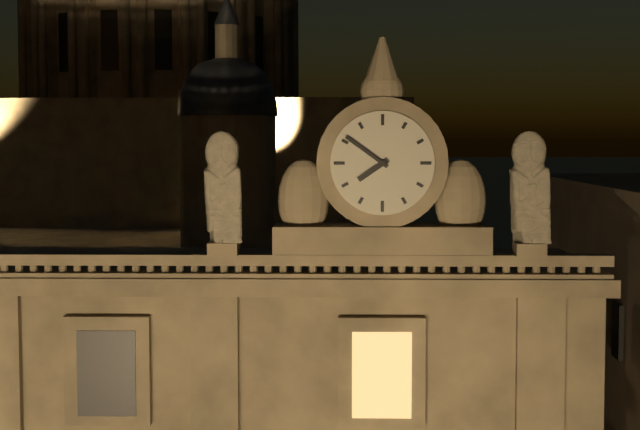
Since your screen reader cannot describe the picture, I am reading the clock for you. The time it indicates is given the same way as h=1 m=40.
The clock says h=7 m=51
